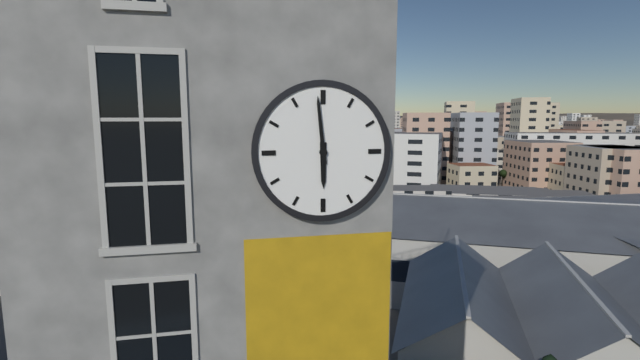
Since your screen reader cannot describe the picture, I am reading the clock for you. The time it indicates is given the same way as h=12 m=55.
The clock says h=5 m=59
